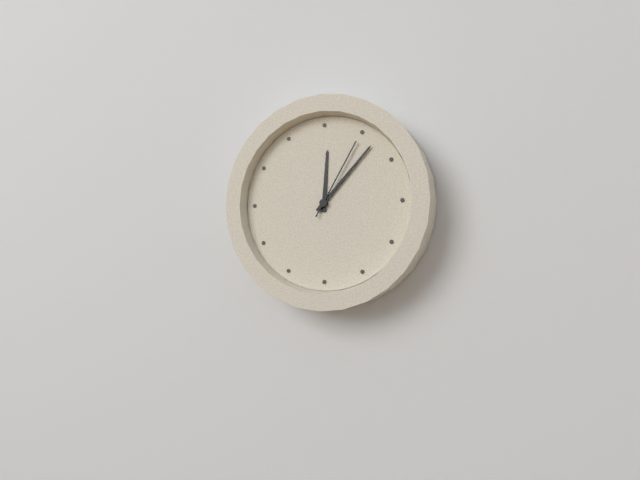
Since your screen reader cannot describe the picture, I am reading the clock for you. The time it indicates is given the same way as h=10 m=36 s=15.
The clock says h=12 m=7 s=5
